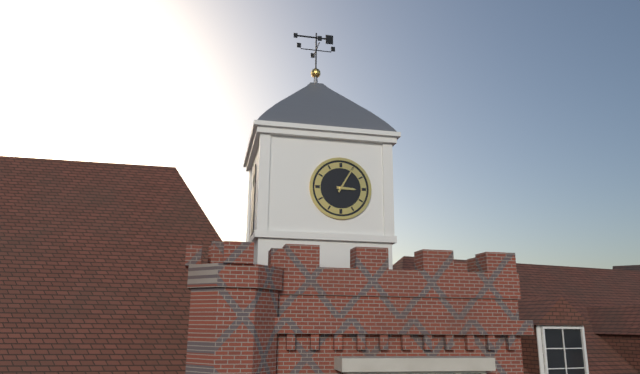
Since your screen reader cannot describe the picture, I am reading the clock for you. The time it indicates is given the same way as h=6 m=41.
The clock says h=3 m=5
